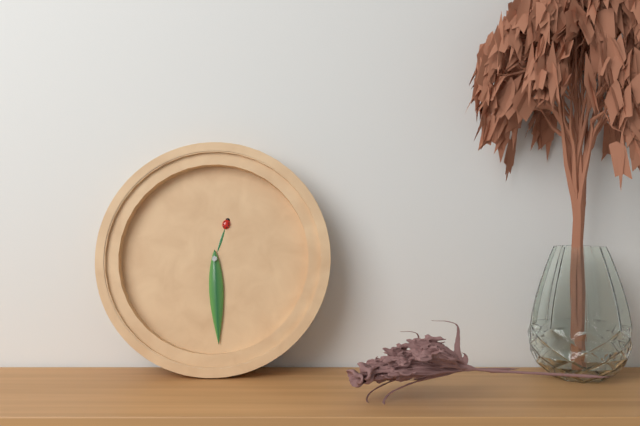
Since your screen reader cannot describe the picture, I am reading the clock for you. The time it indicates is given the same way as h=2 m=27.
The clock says h=12 m=29
